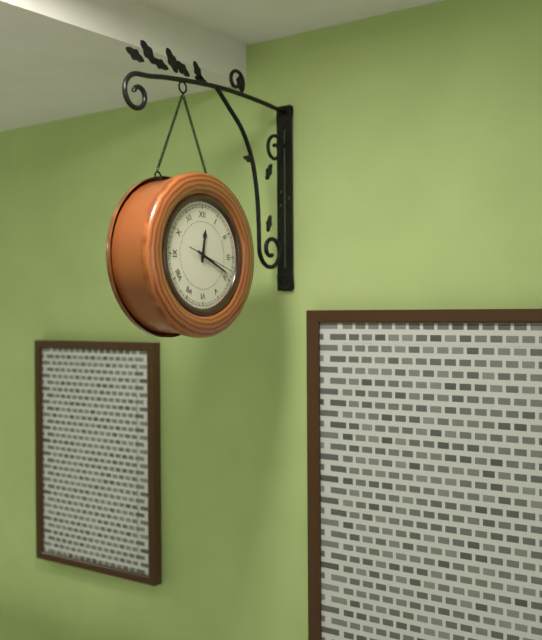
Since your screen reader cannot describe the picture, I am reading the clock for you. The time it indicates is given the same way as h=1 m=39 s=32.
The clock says h=12 m=19 s=18
